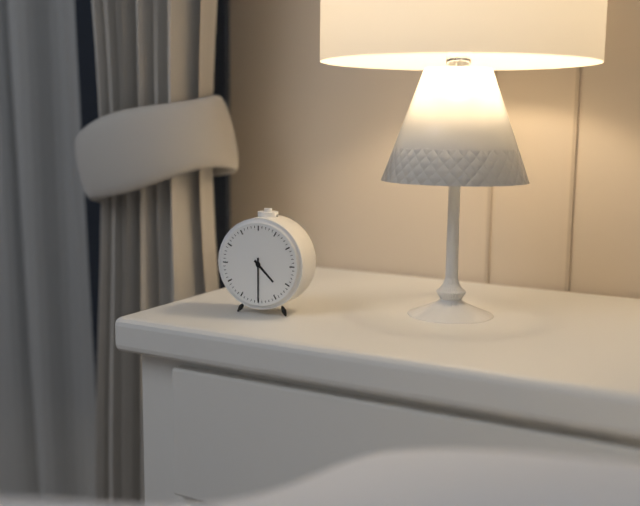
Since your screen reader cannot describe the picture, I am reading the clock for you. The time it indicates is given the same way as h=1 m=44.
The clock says h=4 m=30
